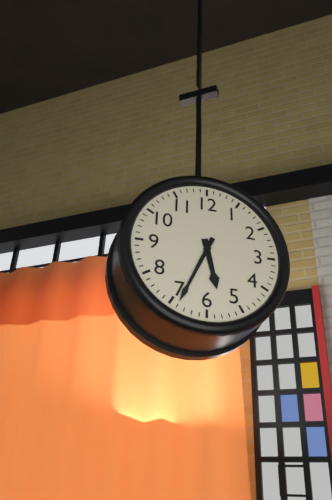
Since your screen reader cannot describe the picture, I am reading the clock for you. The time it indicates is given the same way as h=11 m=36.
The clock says h=5 m=34
